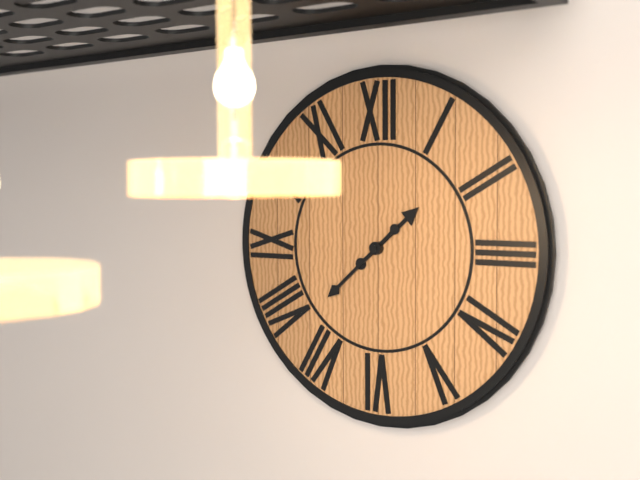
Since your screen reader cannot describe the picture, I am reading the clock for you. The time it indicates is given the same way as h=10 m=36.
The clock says h=1 m=38
